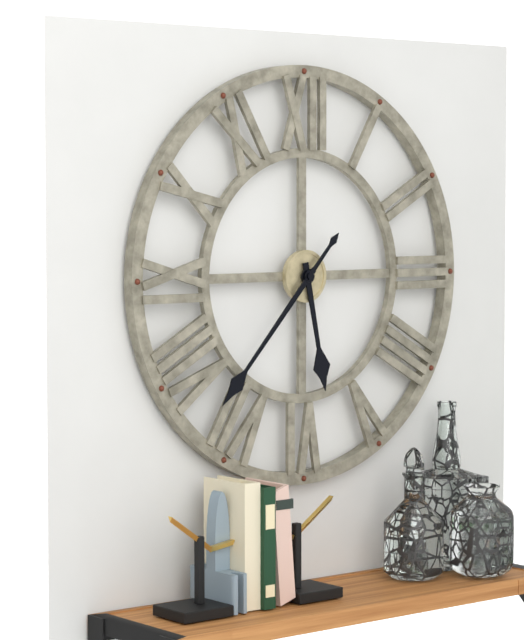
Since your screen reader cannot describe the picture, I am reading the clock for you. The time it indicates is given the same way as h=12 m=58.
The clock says h=5 m=37
